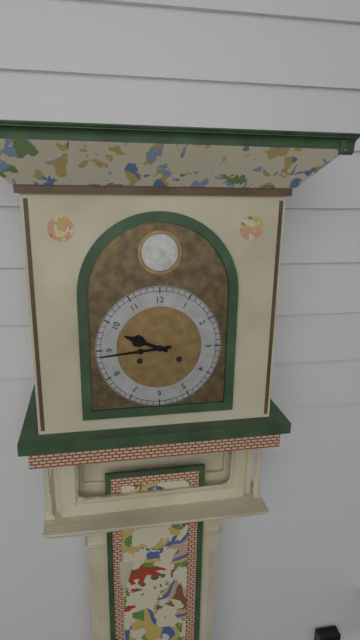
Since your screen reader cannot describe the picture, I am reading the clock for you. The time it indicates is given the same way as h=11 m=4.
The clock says h=9 m=44
